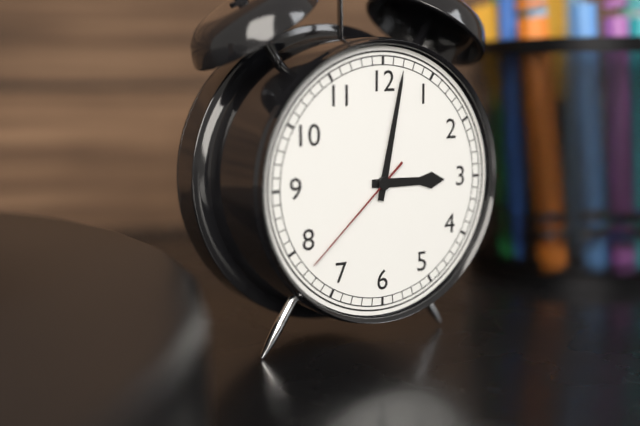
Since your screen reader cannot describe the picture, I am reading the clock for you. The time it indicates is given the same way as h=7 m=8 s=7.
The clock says h=3 m=2 s=38
